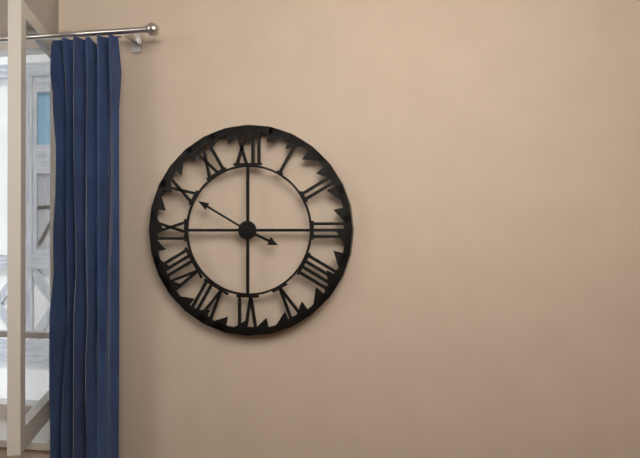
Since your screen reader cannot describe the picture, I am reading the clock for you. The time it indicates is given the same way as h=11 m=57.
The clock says h=3 m=50
